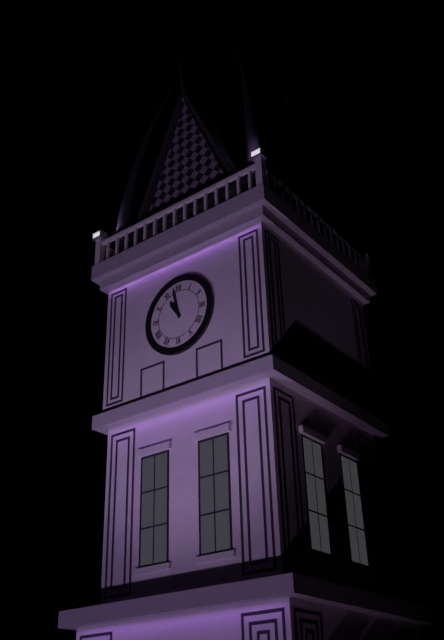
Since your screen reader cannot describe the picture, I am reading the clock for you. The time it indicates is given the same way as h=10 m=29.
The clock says h=10 m=58
